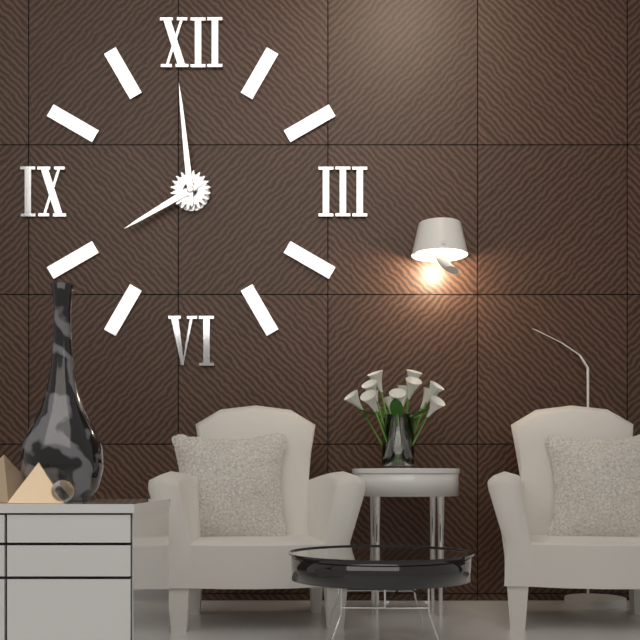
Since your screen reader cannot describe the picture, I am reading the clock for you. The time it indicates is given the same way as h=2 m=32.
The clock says h=7 m=59
